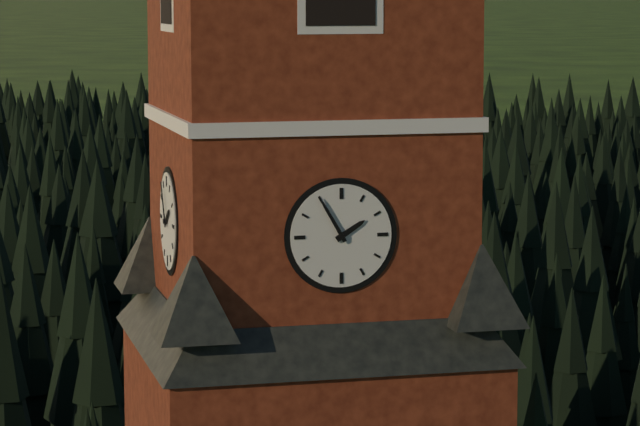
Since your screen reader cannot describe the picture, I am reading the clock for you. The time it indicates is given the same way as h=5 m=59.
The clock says h=1 m=55
